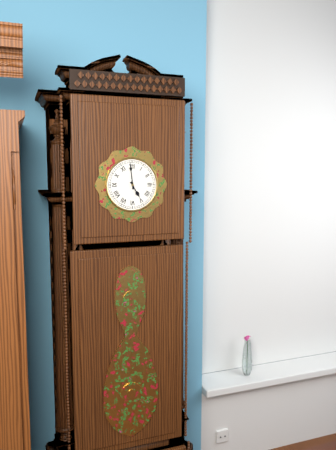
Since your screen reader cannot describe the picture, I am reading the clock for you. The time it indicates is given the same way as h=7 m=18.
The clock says h=4 m=59
